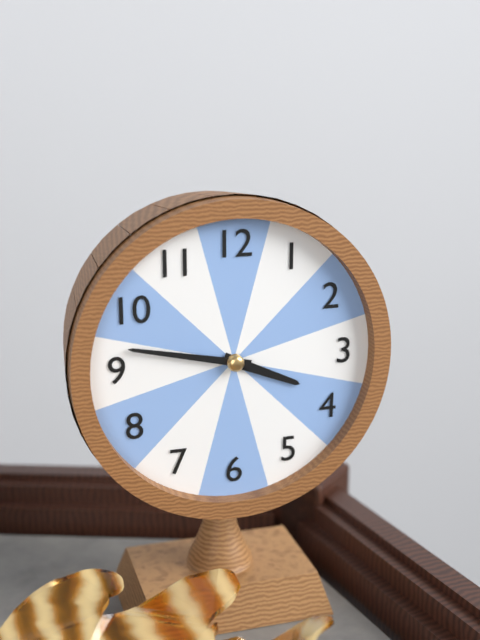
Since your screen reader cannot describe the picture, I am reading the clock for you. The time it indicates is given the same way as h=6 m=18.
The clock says h=3 m=47
